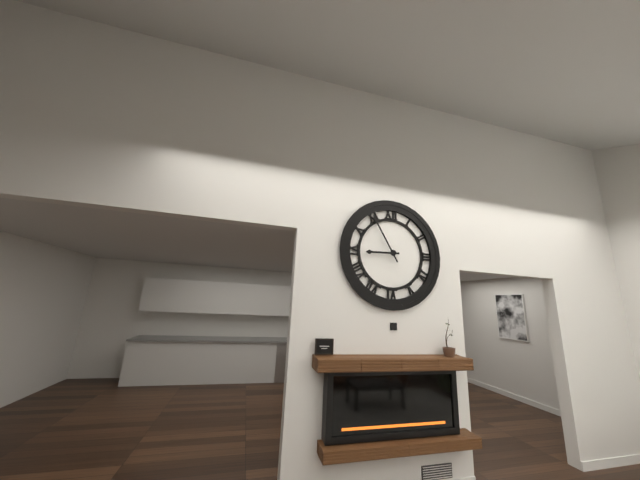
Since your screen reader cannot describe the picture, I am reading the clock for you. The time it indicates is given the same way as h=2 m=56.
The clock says h=8 m=55
